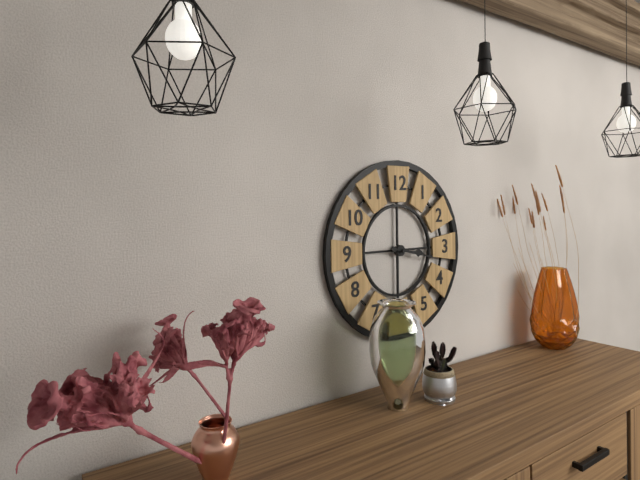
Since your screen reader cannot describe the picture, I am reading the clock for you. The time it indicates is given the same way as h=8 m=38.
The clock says h=3 m=17
